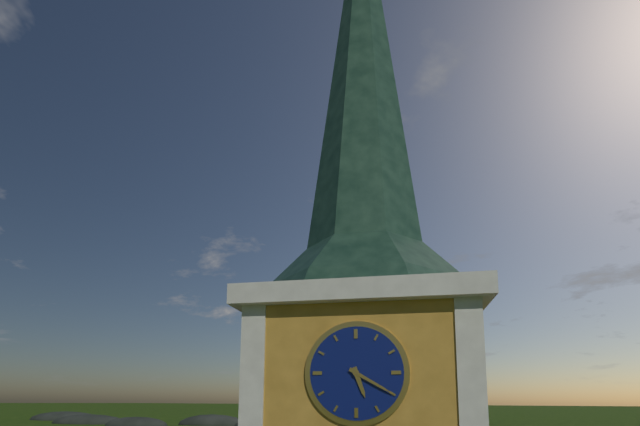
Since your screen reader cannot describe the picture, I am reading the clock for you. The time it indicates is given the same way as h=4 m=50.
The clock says h=5 m=20
